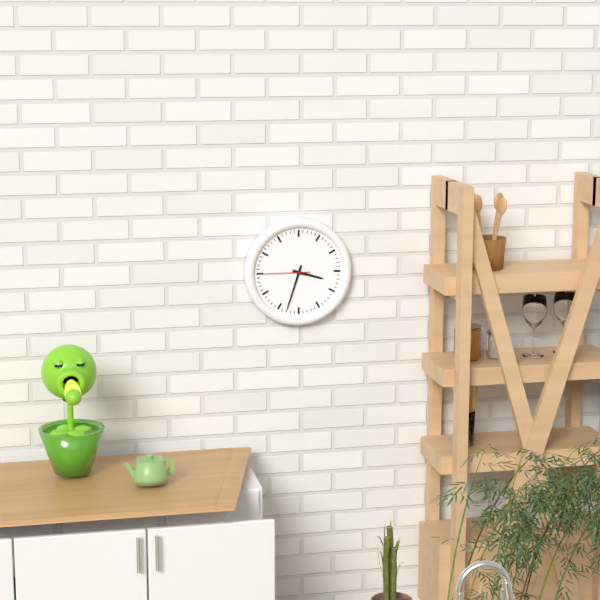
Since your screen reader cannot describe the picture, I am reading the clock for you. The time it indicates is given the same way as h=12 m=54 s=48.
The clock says h=3 m=33 s=45
